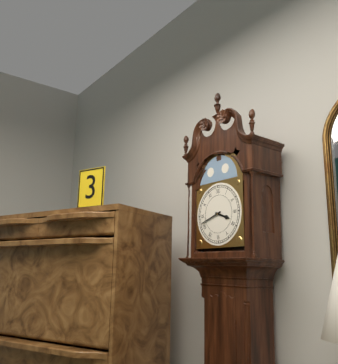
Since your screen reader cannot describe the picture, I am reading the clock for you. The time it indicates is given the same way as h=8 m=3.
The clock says h=3 m=42
